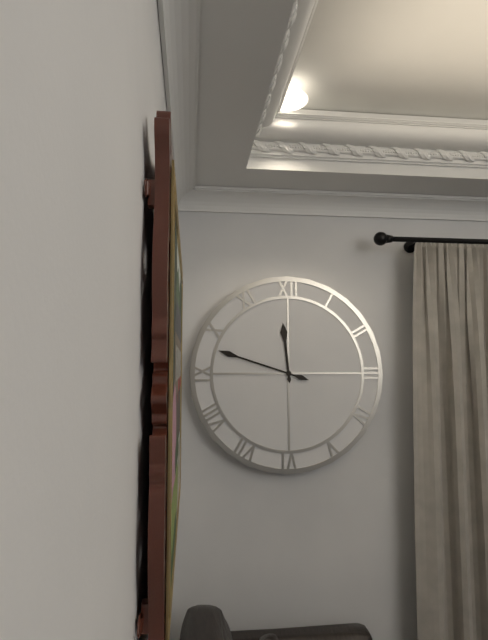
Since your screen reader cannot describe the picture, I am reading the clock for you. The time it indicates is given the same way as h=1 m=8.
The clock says h=11 m=48
